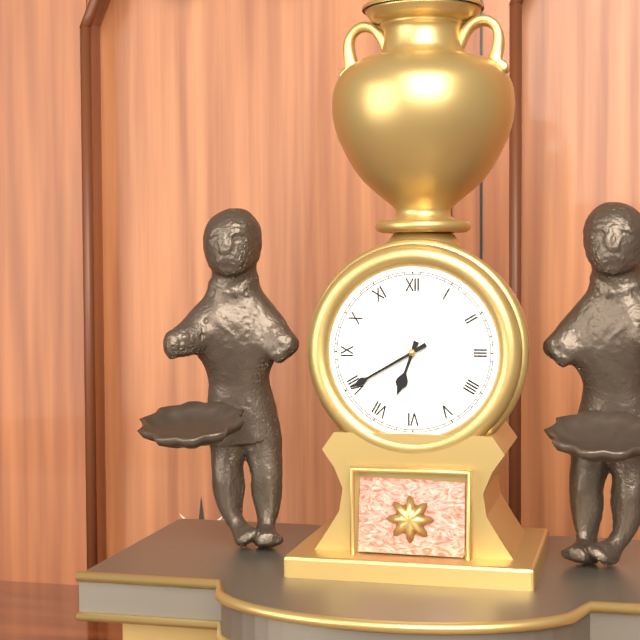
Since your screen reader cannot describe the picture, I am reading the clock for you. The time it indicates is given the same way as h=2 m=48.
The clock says h=6 m=40
